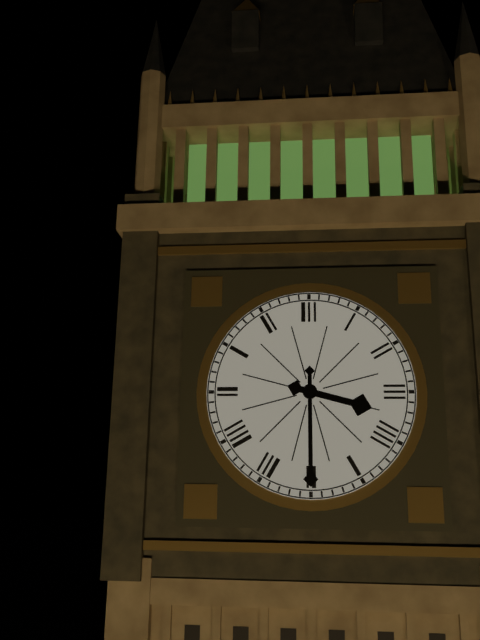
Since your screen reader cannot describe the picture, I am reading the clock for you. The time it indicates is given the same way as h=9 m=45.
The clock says h=3 m=30
